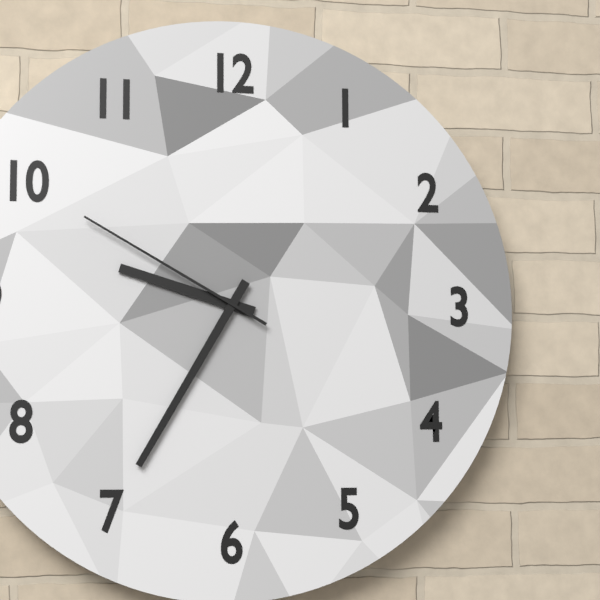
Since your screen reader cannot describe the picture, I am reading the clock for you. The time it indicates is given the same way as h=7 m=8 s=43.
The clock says h=9 m=35 s=50
